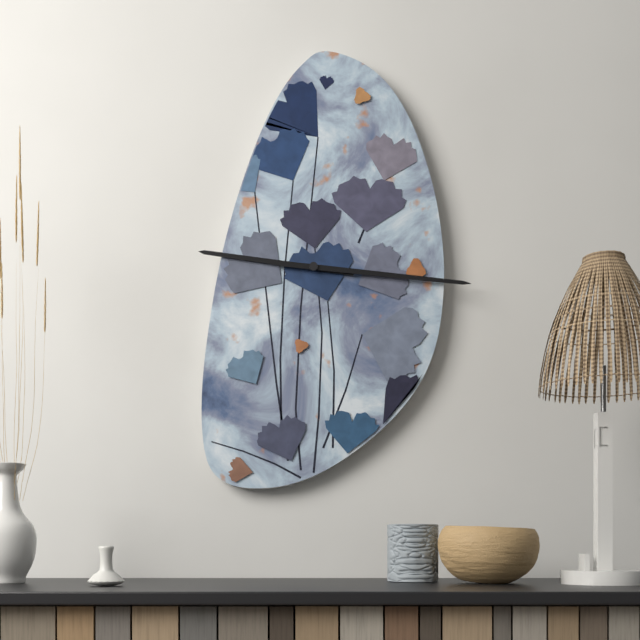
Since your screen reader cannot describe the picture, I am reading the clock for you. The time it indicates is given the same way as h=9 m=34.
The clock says h=9 m=16
